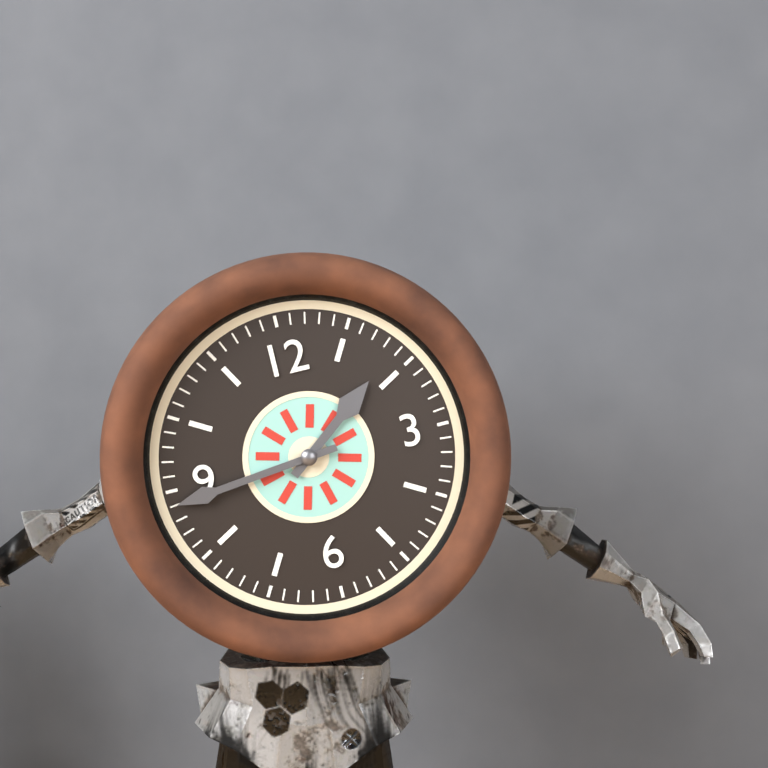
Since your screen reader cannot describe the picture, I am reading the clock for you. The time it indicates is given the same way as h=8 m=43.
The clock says h=1 m=44
